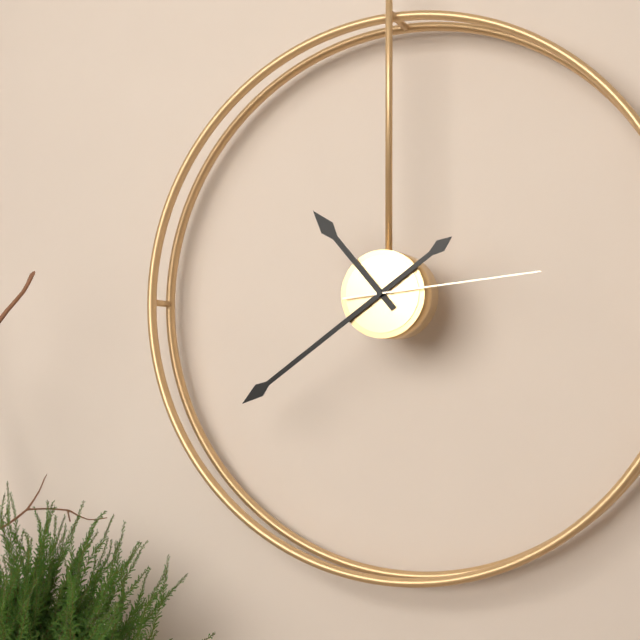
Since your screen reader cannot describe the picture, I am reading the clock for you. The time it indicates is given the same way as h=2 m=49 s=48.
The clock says h=10 m=39 s=14
